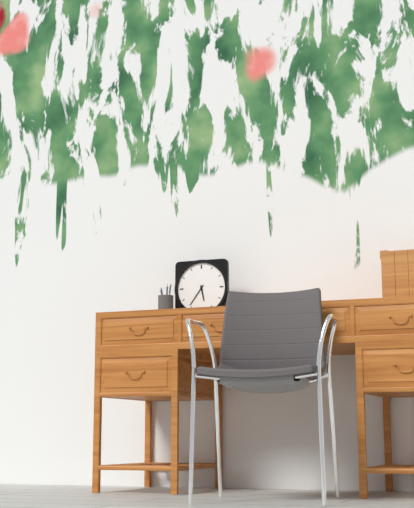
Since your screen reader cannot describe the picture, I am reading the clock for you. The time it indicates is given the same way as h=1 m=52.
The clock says h=5 m=36
